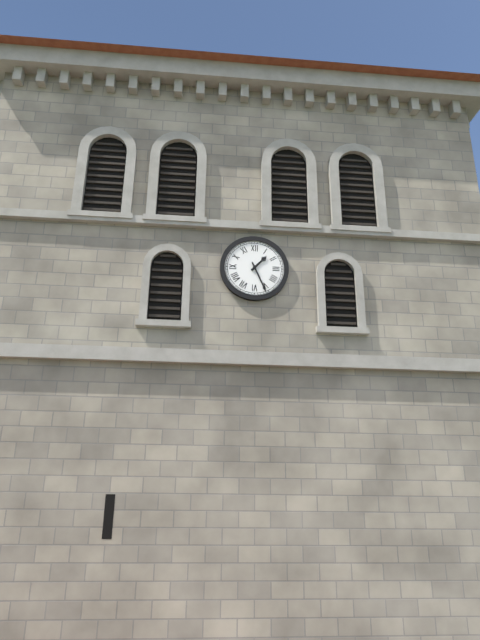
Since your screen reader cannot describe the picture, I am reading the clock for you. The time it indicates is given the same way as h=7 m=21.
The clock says h=1 m=26
